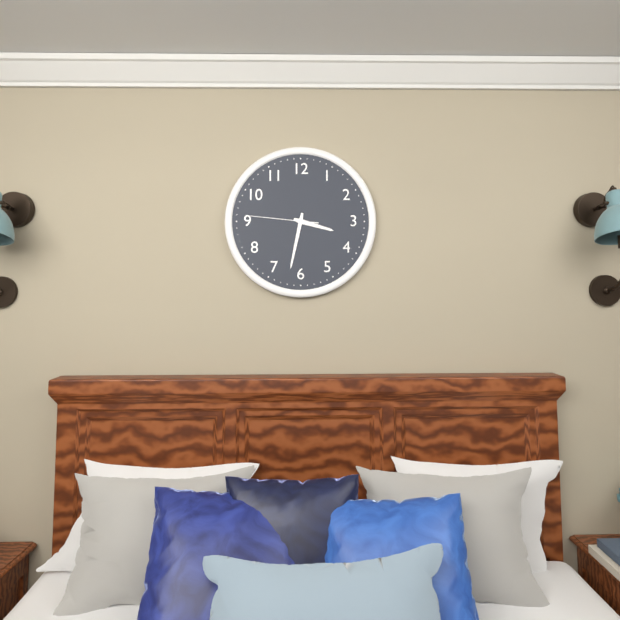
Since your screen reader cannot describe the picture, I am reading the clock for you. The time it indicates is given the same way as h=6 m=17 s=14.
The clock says h=3 m=32 s=46
